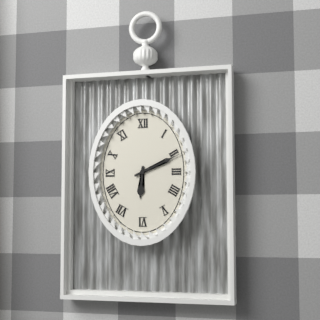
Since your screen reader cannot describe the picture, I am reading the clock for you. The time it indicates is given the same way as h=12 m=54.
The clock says h=6 m=11
